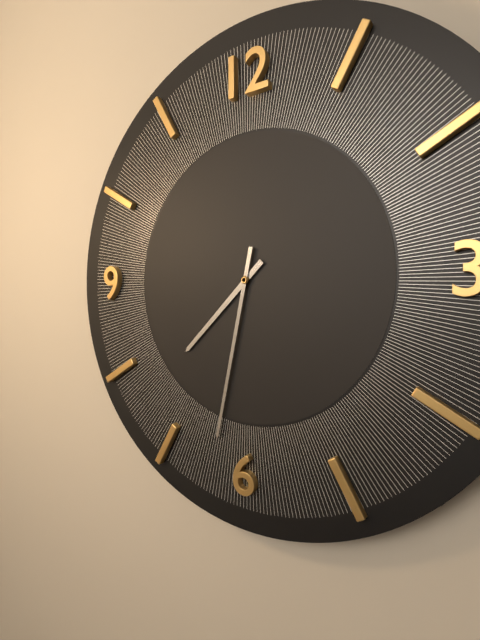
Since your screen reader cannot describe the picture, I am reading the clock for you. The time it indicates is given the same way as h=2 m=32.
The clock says h=7 m=32
